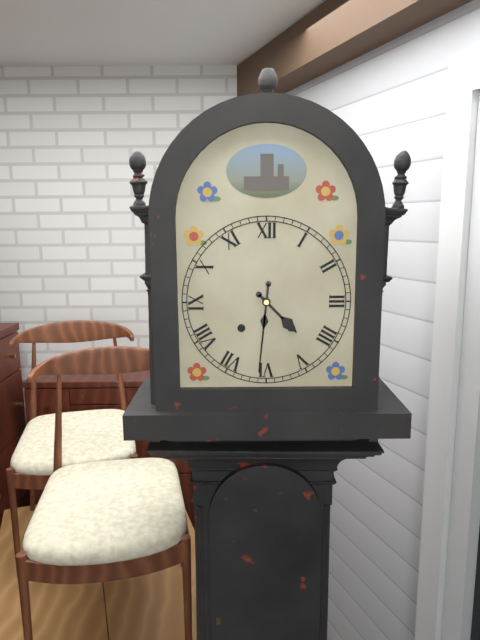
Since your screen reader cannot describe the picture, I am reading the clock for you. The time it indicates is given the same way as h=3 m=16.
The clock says h=4 m=31
